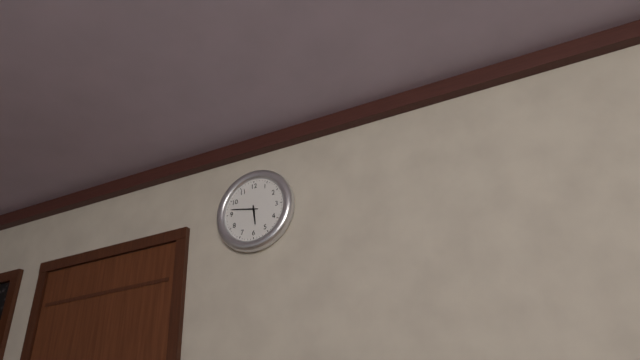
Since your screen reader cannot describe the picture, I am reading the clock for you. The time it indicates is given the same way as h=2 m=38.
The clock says h=5 m=47
